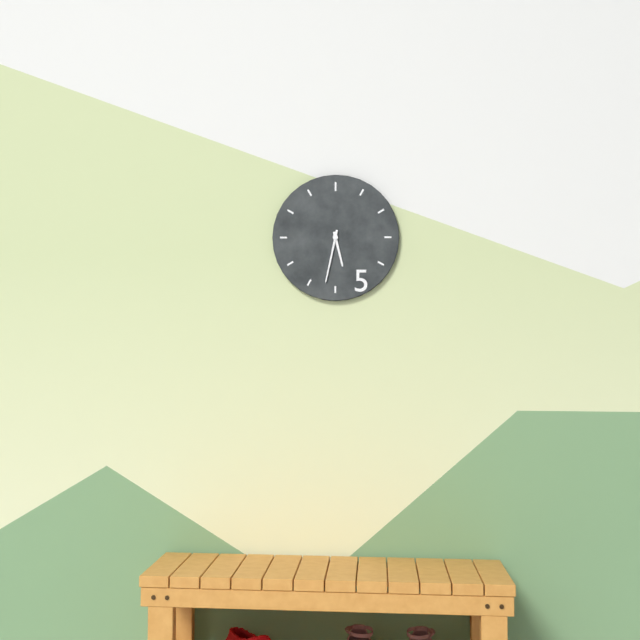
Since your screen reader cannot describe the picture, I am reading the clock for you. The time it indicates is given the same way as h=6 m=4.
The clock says h=5 m=32
